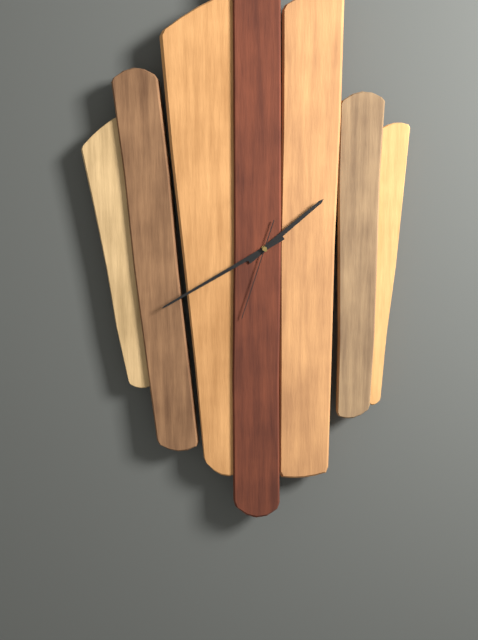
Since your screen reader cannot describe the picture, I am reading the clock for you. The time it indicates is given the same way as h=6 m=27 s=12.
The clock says h=1 m=40 s=33
